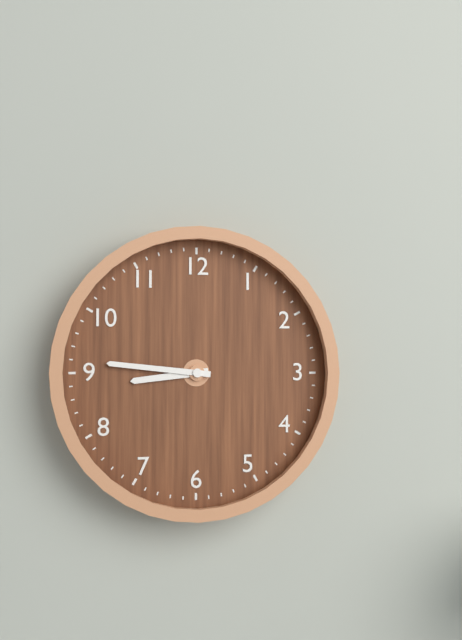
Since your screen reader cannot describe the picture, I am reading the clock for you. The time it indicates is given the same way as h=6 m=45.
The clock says h=8 m=46
